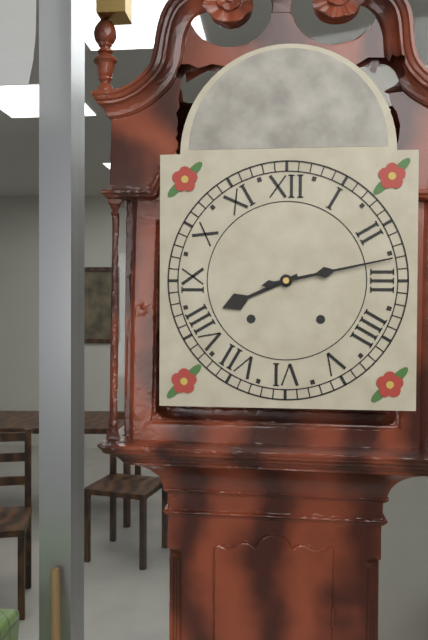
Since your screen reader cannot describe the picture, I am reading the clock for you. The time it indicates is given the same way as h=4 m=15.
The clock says h=8 m=13
